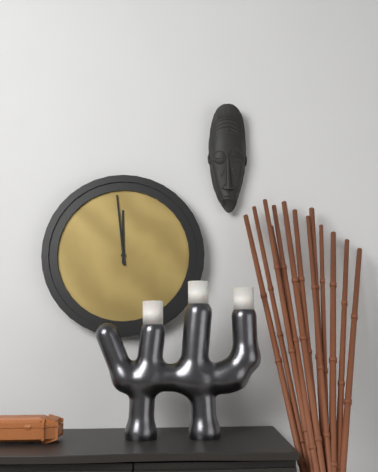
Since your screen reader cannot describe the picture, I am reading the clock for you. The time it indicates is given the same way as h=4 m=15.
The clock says h=11 m=59
